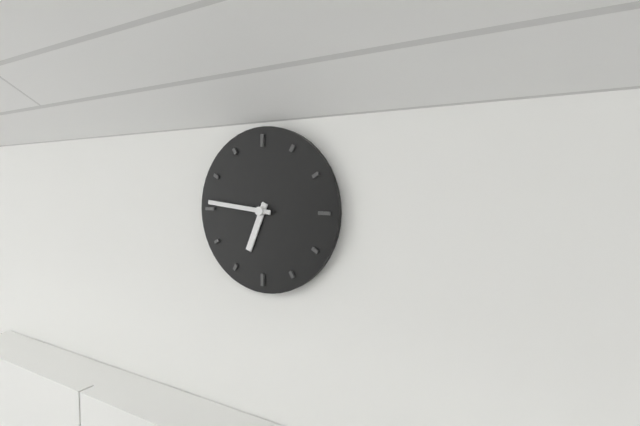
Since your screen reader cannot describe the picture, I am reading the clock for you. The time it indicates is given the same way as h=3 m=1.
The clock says h=6 m=46
